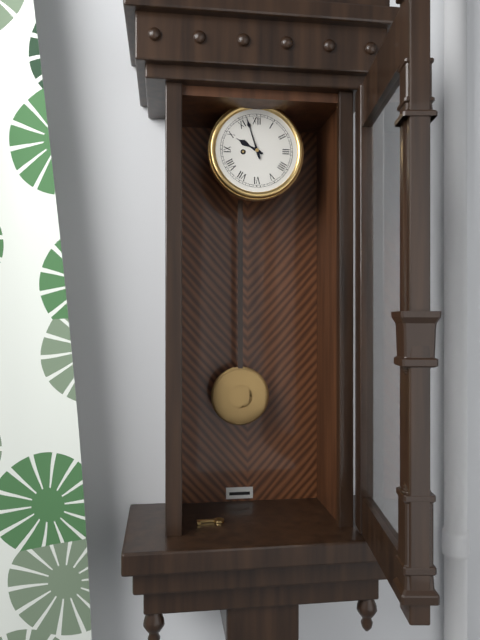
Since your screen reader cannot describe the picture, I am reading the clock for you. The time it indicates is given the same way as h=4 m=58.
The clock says h=9 m=57
